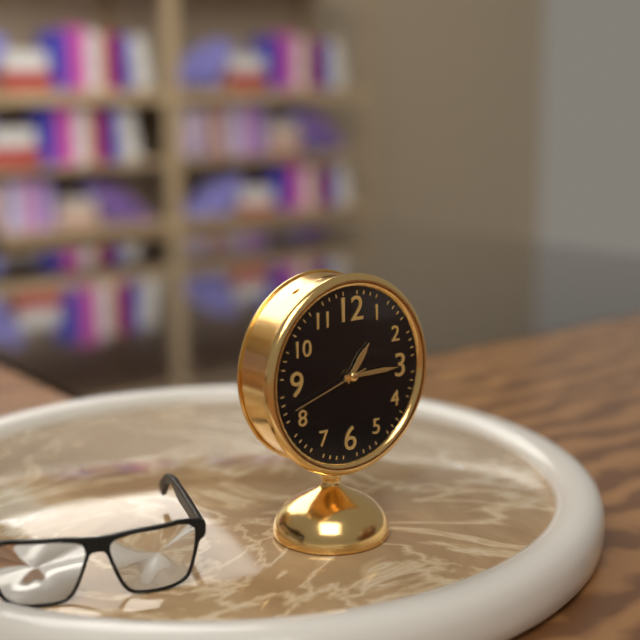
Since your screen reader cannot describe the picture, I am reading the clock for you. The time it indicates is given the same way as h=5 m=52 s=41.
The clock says h=1 m=15 s=42
